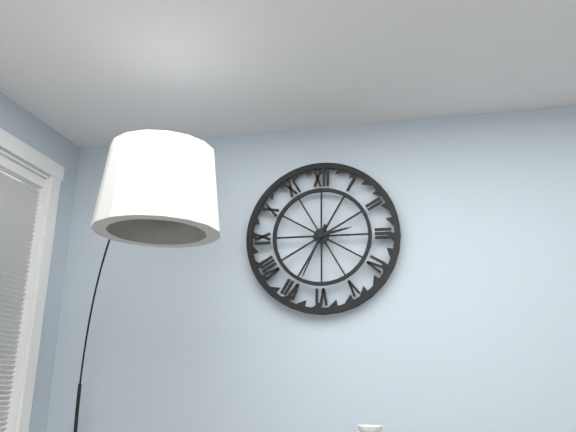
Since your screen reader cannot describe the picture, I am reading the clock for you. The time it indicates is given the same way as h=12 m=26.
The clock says h=2 m=34
